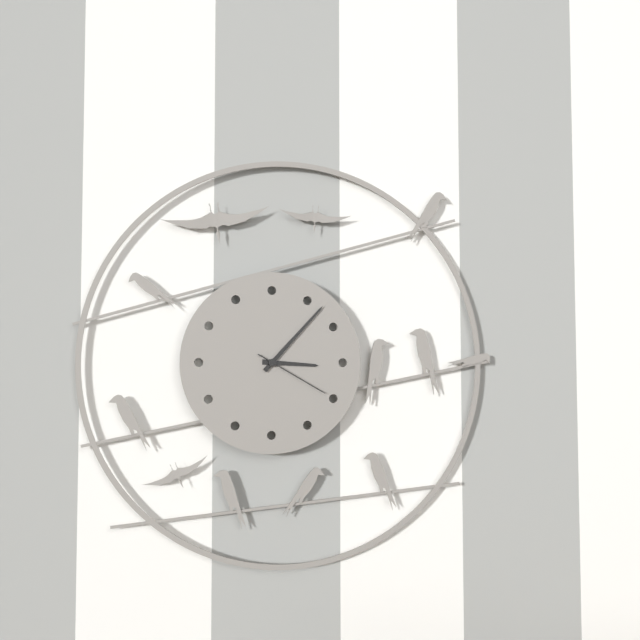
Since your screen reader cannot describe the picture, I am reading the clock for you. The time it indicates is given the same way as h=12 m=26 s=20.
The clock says h=3 m=7 s=20
